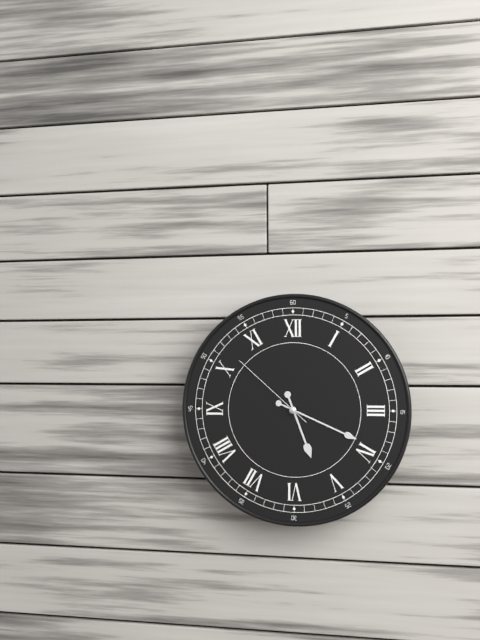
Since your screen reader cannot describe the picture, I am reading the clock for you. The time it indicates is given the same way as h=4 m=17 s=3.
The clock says h=5 m=19 s=52
